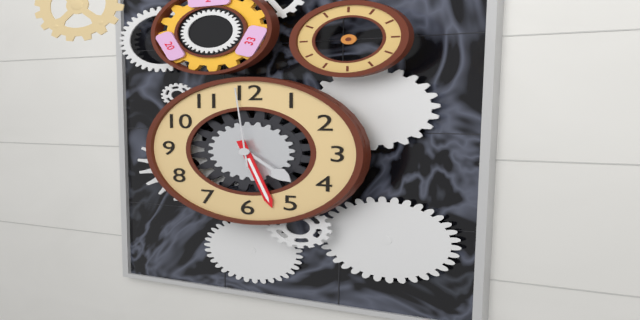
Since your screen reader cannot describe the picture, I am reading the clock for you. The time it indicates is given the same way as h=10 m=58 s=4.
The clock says h=4 m=27 s=59
